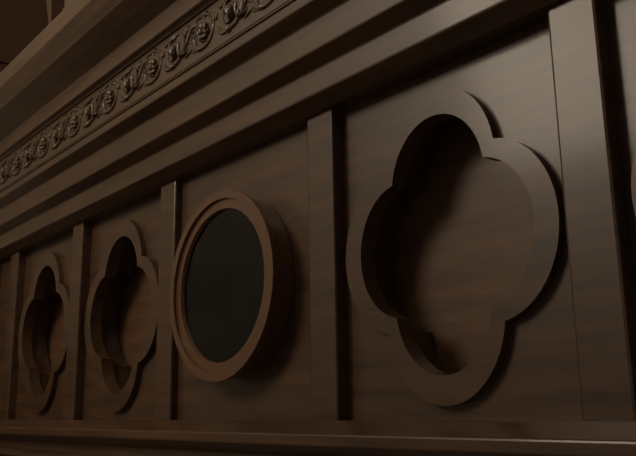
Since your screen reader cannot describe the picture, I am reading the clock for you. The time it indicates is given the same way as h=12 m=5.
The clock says h=7 m=59
